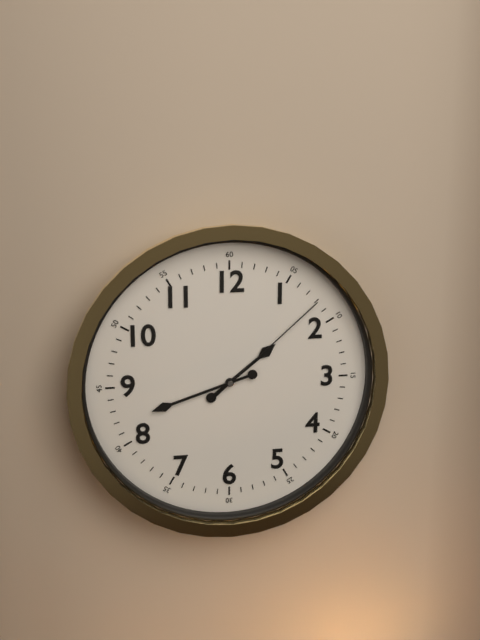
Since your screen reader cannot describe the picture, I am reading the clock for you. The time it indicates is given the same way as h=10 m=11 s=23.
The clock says h=1 m=42 s=8
